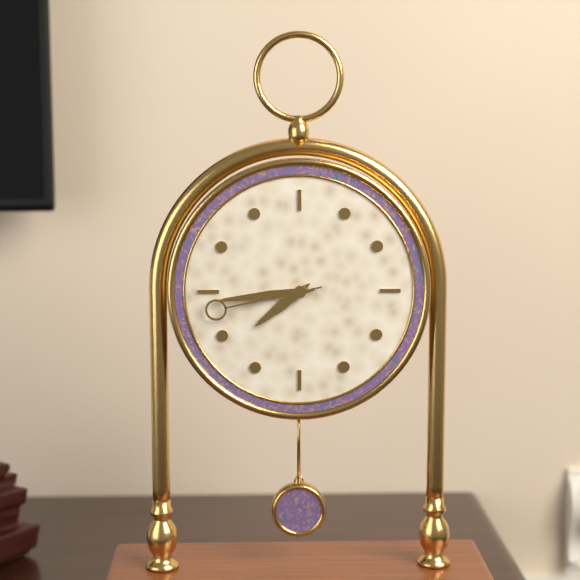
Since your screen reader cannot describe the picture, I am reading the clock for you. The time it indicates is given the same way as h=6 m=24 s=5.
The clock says h=7 m=44 s=43
